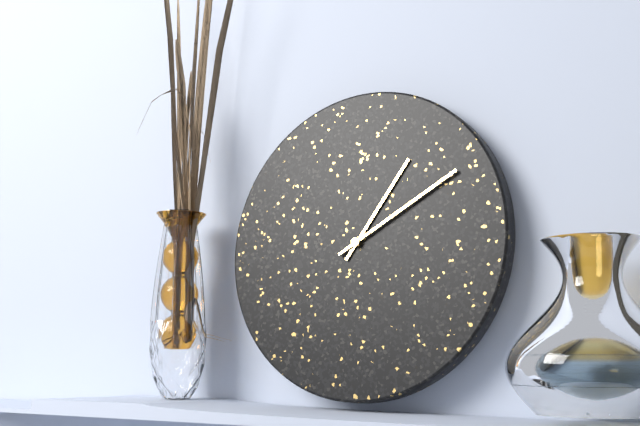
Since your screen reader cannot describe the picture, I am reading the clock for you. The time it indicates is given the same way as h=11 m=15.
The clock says h=1 m=10
